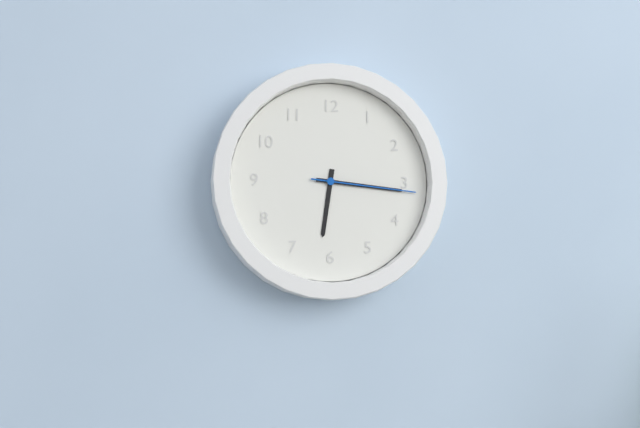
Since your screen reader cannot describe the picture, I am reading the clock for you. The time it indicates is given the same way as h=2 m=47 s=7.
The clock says h=6 m=16 s=16
